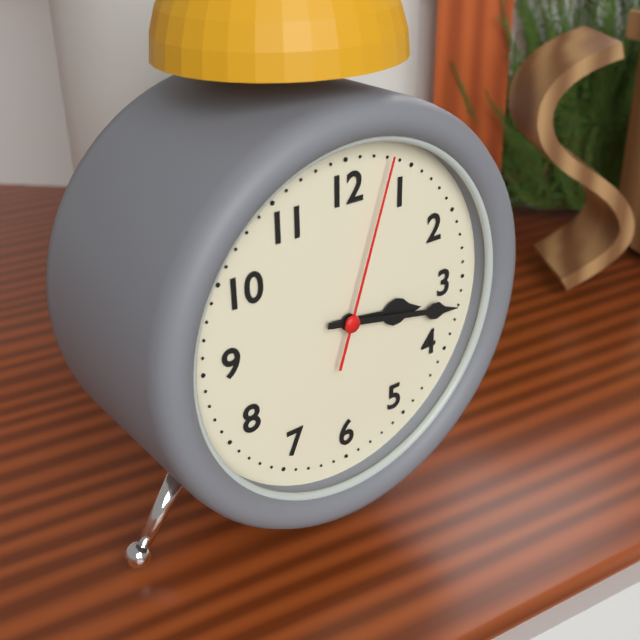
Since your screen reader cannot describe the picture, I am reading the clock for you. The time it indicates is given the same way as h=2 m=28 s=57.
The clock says h=3 m=17 s=3
